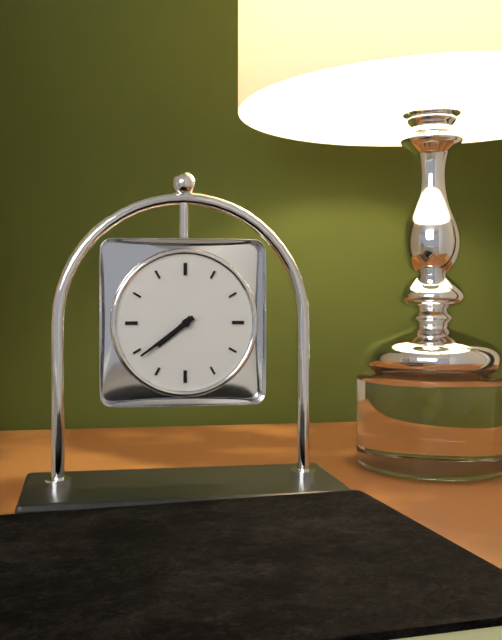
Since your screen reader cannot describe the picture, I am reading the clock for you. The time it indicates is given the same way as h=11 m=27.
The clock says h=7 m=39
